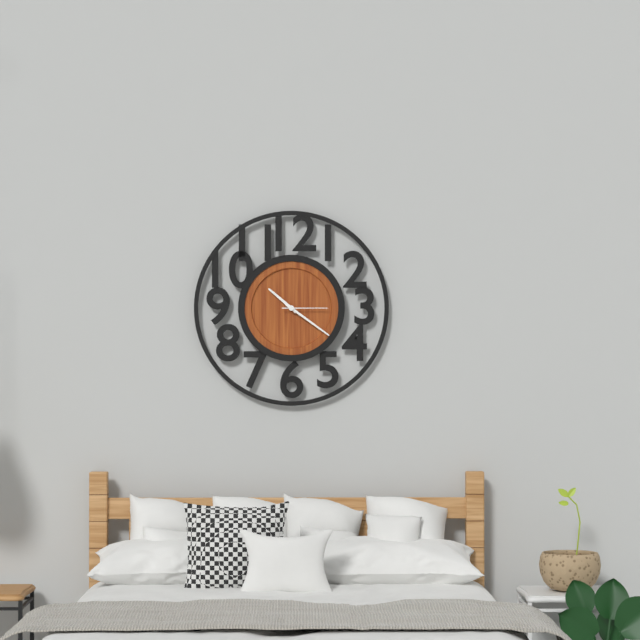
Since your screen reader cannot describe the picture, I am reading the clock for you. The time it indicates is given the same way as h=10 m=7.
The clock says h=10 m=21
